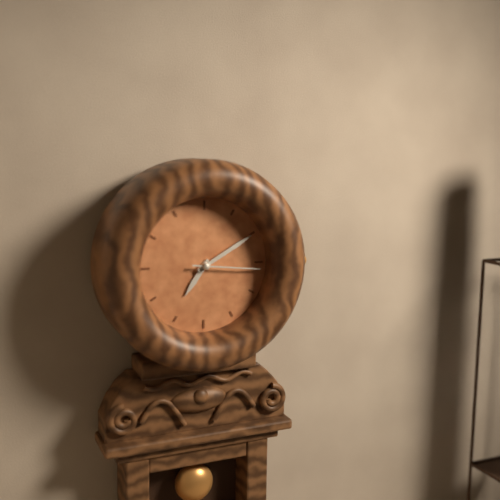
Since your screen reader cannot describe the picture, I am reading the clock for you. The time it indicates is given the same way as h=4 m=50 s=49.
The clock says h=7 m=10 s=16
